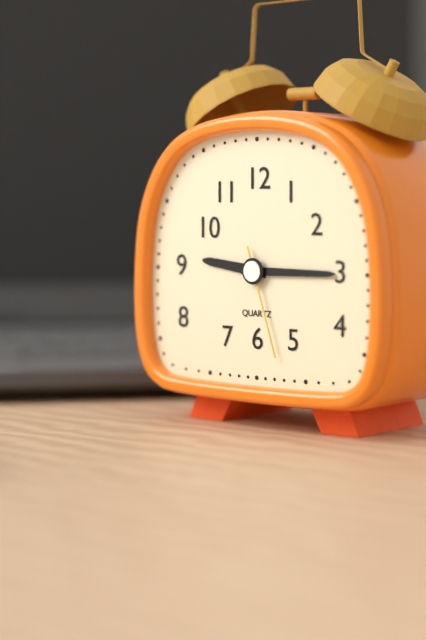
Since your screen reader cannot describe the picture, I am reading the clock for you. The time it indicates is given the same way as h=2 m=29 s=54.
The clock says h=9 m=15 s=27
